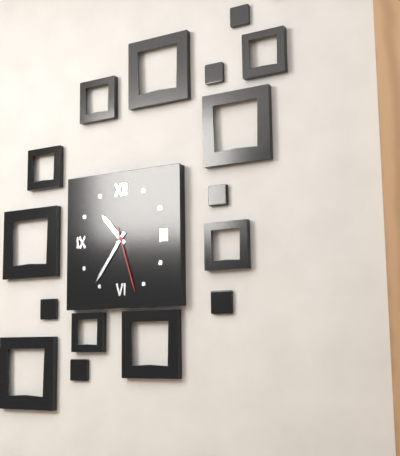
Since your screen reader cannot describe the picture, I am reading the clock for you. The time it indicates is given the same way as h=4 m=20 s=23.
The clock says h=10 m=36 s=27
